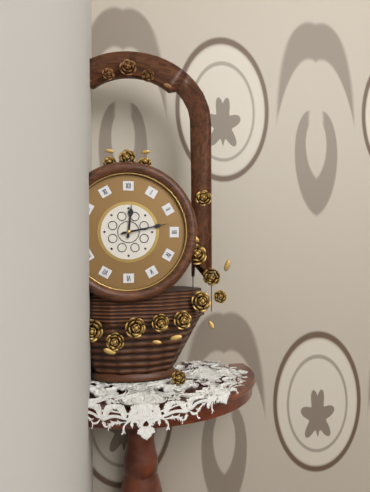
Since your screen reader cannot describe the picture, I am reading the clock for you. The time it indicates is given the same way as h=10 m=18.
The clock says h=12 m=13
